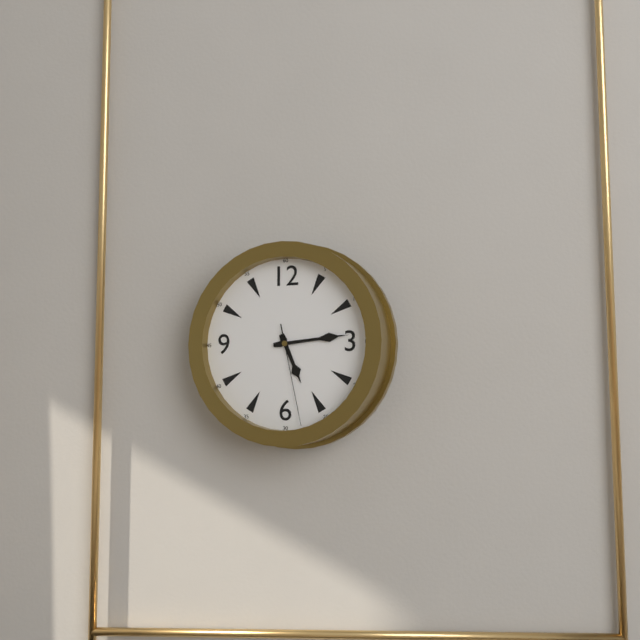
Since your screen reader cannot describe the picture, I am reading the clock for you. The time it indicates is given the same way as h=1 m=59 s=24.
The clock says h=5 m=14 s=28
